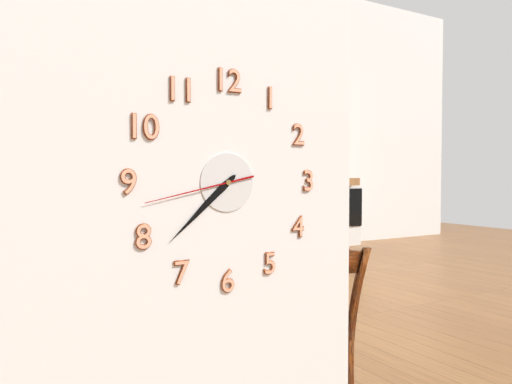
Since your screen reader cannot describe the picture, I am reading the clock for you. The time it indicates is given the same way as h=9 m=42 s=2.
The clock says h=7 m=38 s=43
